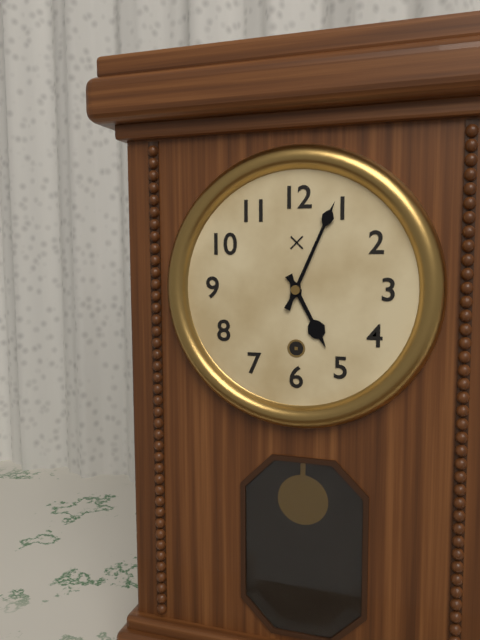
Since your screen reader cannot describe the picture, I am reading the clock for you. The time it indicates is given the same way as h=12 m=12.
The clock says h=5 m=4
